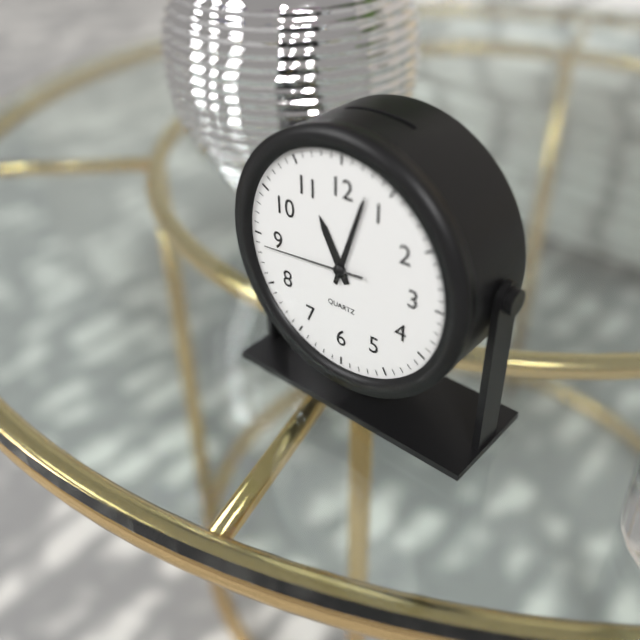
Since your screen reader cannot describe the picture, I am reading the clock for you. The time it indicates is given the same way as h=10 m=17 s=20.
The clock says h=11 m=3 s=44
